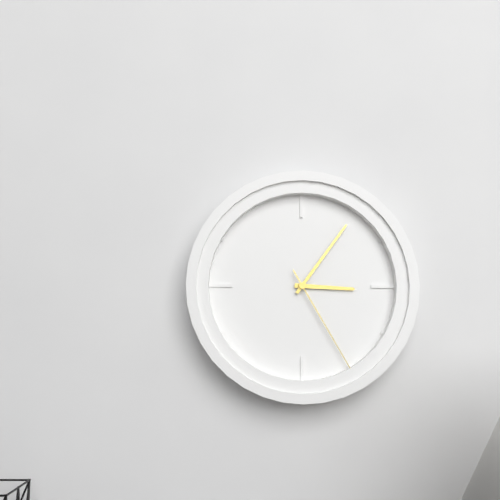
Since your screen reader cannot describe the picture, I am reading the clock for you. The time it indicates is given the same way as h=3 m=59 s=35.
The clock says h=3 m=6 s=25
